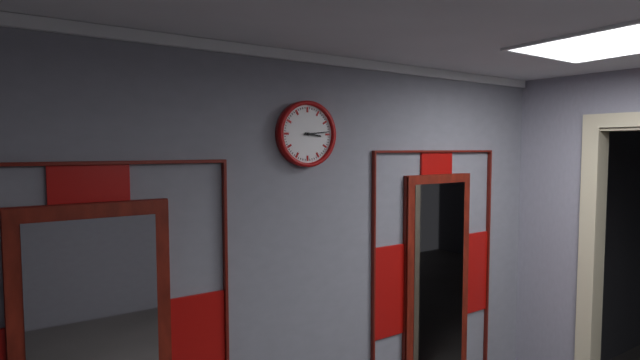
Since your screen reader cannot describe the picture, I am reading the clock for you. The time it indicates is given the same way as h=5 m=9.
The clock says h=3 m=14
